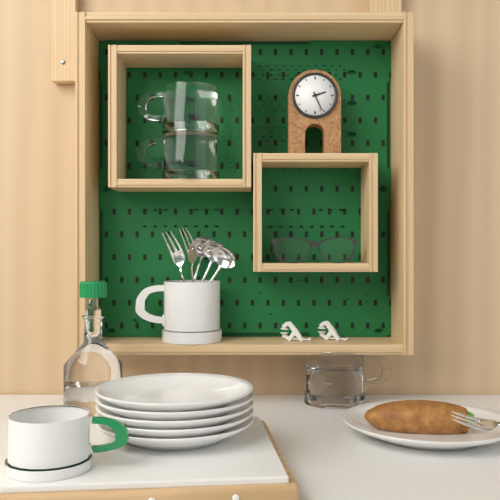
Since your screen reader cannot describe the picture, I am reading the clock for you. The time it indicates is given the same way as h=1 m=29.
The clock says h=2 m=26
